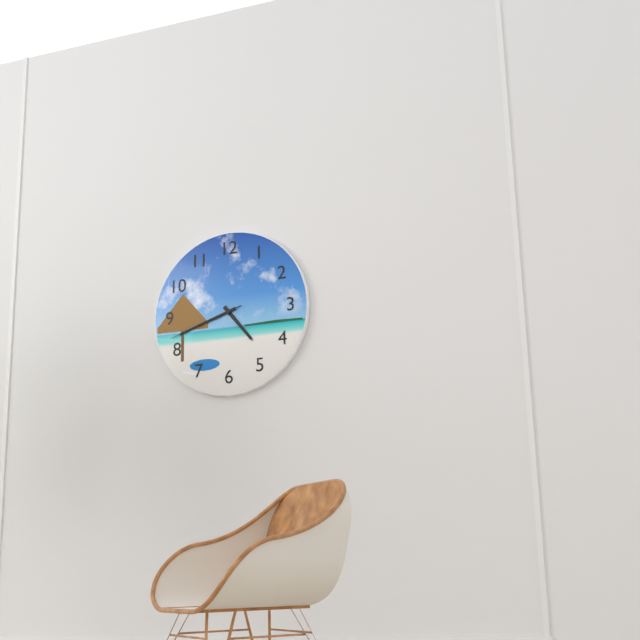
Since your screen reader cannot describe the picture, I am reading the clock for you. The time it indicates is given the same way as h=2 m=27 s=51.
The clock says h=4 m=42 s=42
